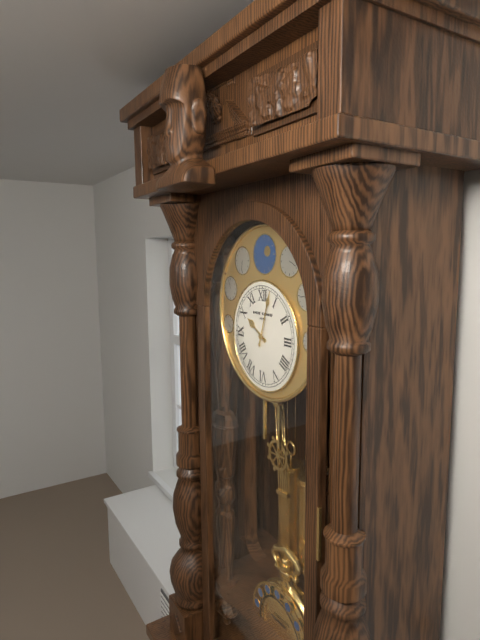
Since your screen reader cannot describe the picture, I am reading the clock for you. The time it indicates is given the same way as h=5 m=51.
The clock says h=10 m=3
